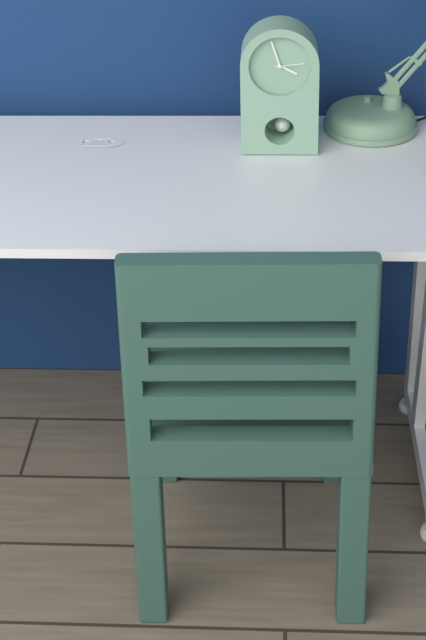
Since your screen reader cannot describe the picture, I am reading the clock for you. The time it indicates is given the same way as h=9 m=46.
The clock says h=3 m=57
